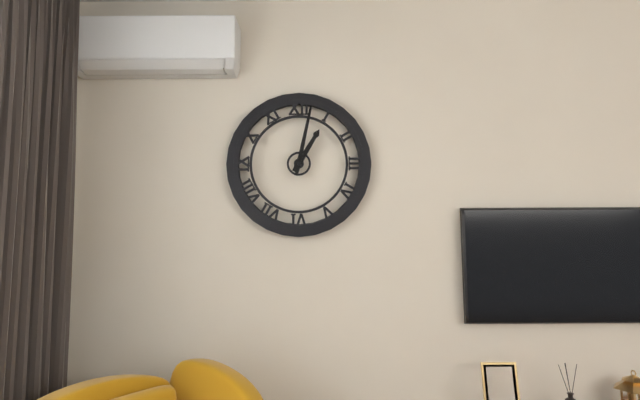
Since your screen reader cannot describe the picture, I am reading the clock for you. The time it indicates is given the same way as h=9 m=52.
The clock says h=1 m=2
